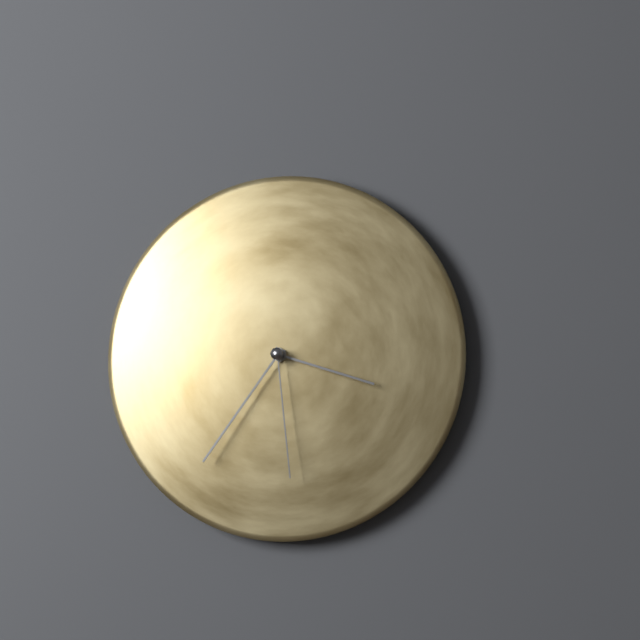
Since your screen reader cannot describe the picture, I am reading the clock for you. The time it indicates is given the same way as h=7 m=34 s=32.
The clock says h=3 m=36 s=29
